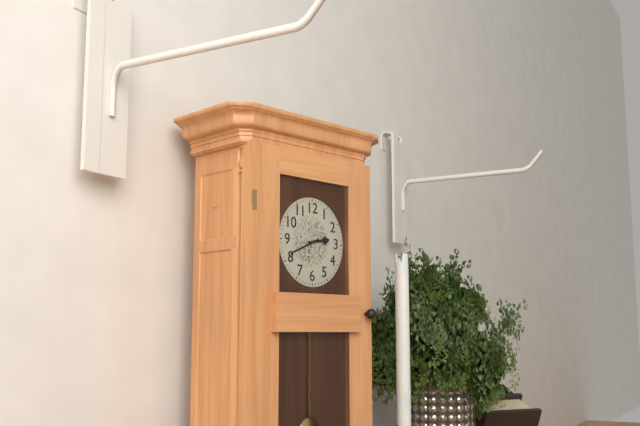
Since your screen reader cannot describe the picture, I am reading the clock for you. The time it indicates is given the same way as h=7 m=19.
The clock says h=2 m=41
